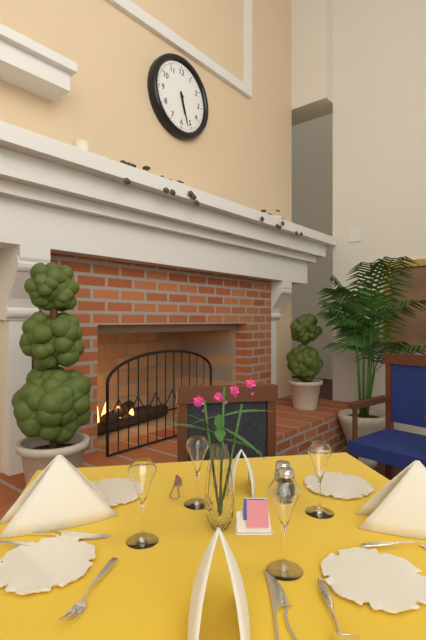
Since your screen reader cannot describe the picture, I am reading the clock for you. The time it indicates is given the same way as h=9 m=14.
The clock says h=5 m=27
